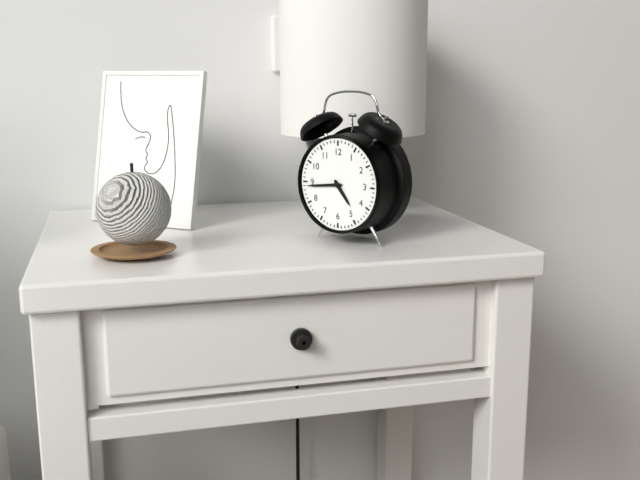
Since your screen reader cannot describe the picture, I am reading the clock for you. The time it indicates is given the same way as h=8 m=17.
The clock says h=4 m=44
